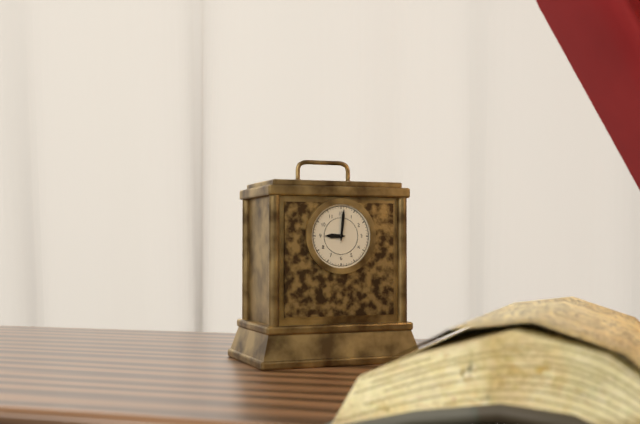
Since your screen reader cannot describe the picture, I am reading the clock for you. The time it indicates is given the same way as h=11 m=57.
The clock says h=9 m=1
